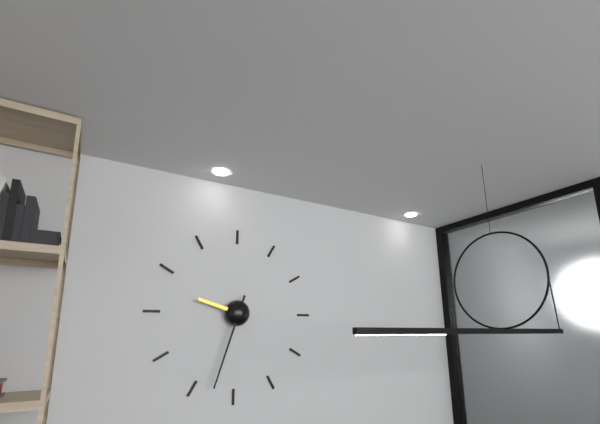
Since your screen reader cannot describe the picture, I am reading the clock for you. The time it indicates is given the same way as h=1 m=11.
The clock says h=9 m=33
